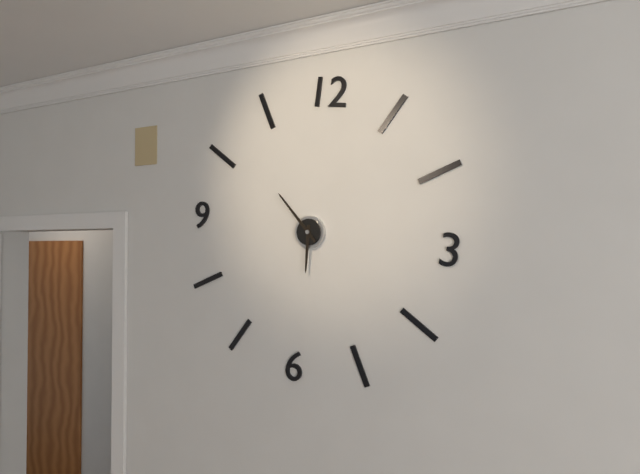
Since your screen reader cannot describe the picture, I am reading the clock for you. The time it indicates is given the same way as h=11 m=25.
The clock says h=5 m=52
